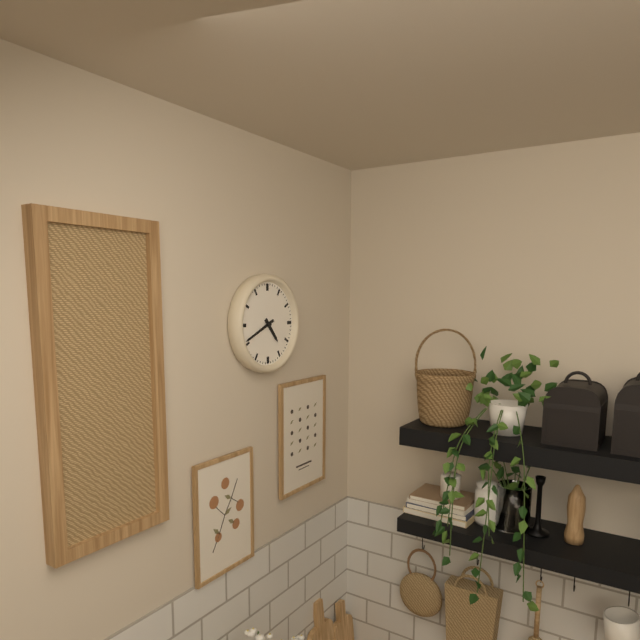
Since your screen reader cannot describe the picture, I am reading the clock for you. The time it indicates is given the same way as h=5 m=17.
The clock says h=4 m=41
